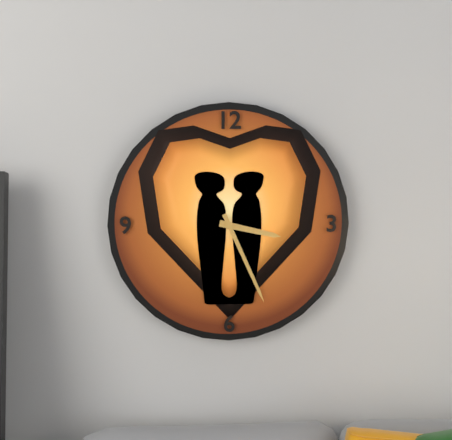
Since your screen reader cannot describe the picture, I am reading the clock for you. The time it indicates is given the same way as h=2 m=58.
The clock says h=3 m=26
